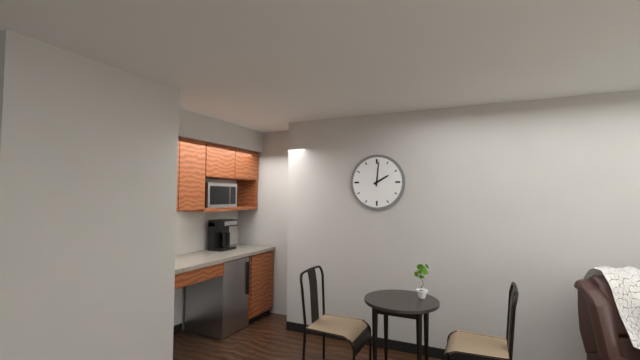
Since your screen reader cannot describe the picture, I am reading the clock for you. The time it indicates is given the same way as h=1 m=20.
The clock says h=2 m=1
